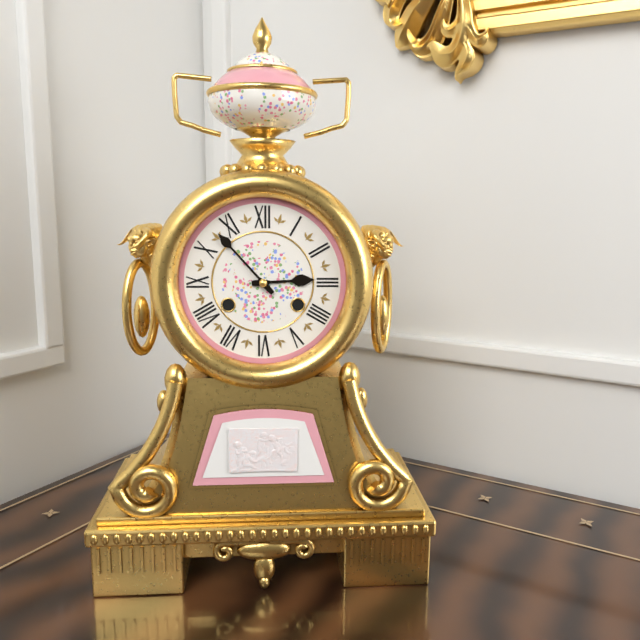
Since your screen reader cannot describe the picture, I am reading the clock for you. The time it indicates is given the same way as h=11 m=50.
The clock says h=2 m=53
